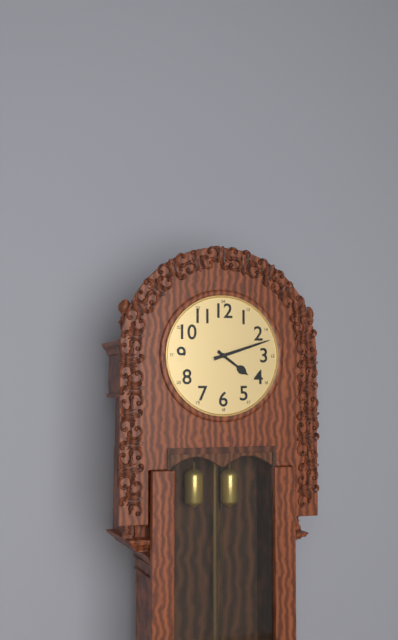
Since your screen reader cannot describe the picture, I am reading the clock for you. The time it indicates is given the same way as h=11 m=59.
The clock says h=4 m=12
